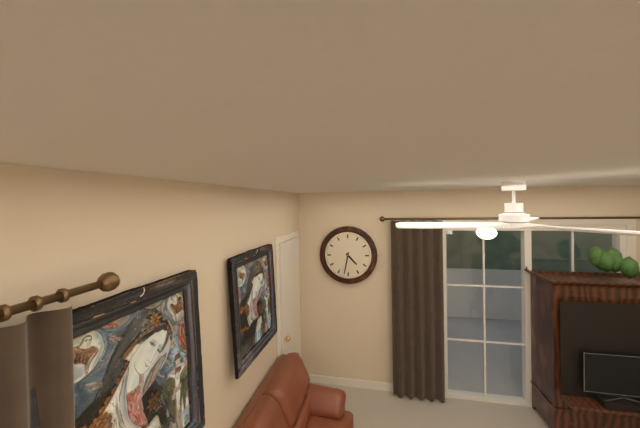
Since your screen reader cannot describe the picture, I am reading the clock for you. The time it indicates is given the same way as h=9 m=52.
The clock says h=4 m=32
